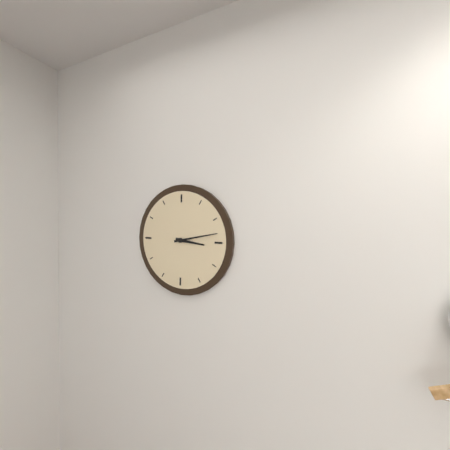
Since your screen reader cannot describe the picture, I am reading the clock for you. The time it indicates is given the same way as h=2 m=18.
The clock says h=3 m=13
